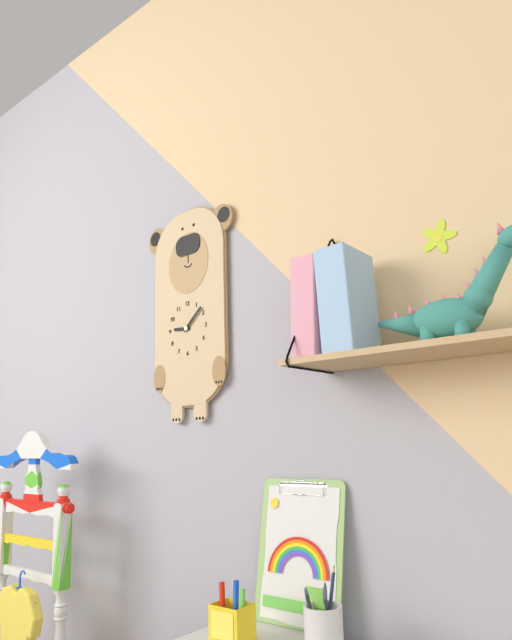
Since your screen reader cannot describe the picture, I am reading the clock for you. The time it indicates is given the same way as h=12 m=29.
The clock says h=9 m=8
